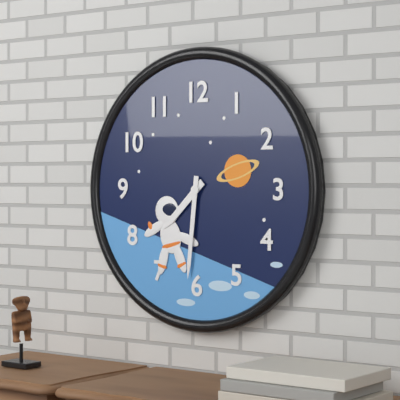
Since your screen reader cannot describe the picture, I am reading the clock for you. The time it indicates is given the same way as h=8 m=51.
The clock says h=7 m=31
